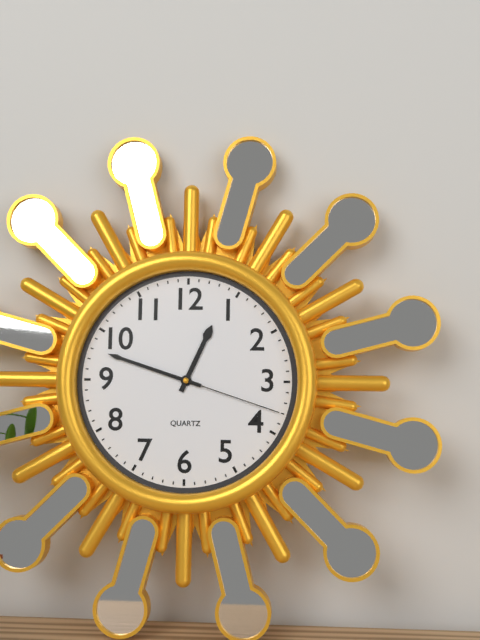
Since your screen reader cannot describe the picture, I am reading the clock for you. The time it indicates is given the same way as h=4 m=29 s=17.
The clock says h=12 m=48 s=18
